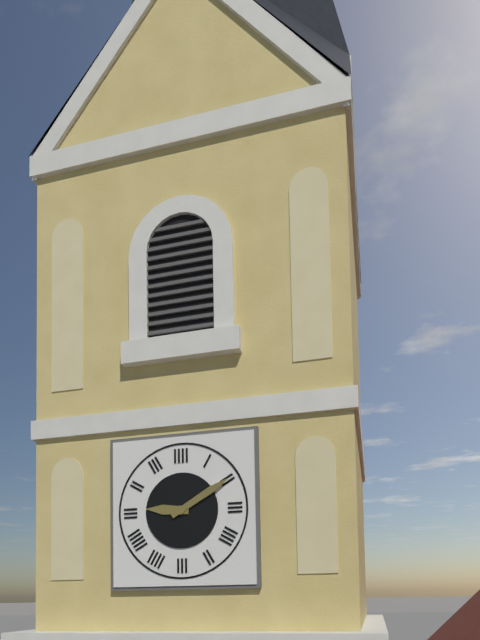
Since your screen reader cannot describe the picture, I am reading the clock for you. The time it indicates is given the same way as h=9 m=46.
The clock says h=9 m=10
